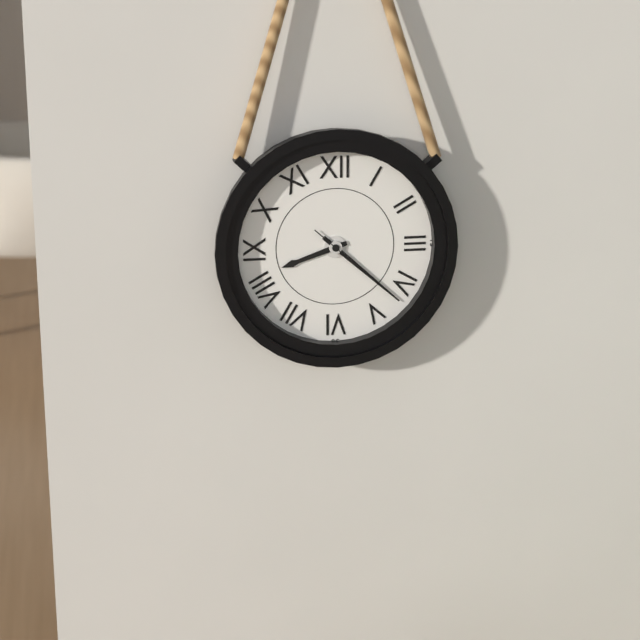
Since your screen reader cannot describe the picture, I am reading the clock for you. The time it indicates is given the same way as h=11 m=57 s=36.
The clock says h=8 m=22 s=22
